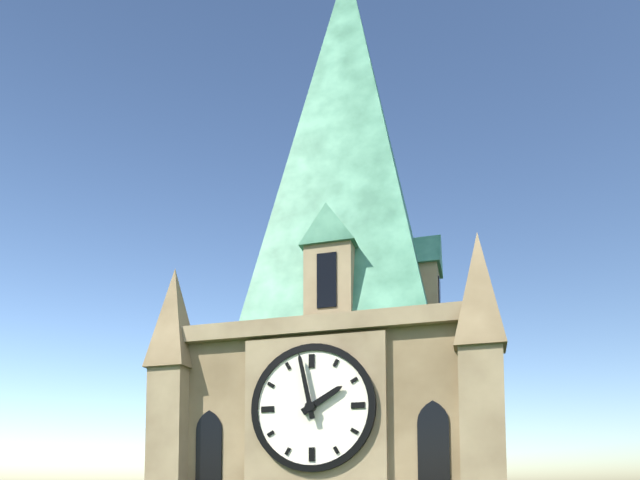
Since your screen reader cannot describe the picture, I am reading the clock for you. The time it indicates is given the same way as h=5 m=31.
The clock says h=1 m=58
